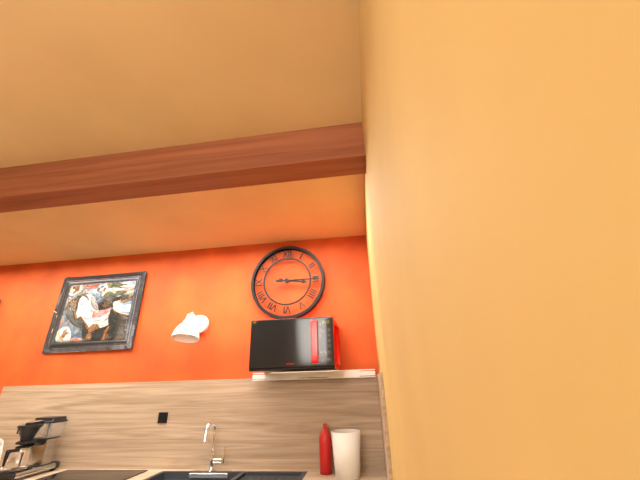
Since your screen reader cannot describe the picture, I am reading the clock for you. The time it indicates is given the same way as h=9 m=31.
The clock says h=3 m=15
